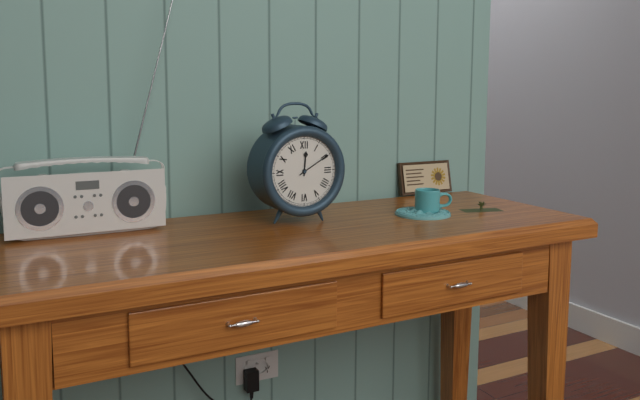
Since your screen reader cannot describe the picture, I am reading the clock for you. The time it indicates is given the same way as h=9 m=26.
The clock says h=12 m=10
